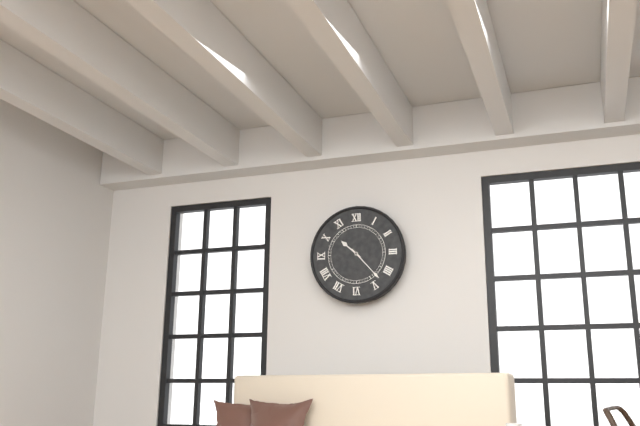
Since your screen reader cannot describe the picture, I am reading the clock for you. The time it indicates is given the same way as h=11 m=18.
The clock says h=10 m=23
